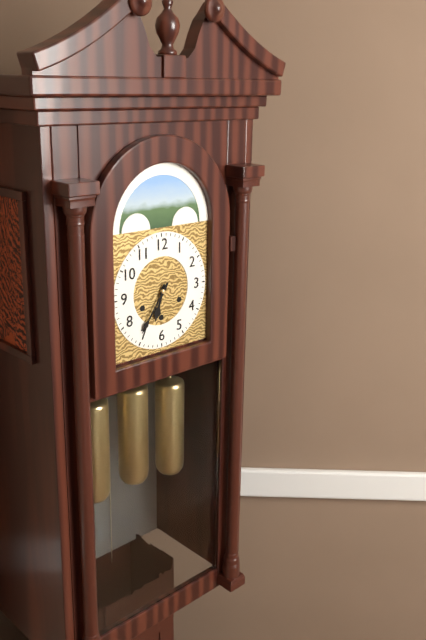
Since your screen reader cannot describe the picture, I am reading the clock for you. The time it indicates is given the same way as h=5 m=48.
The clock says h=6 m=36
